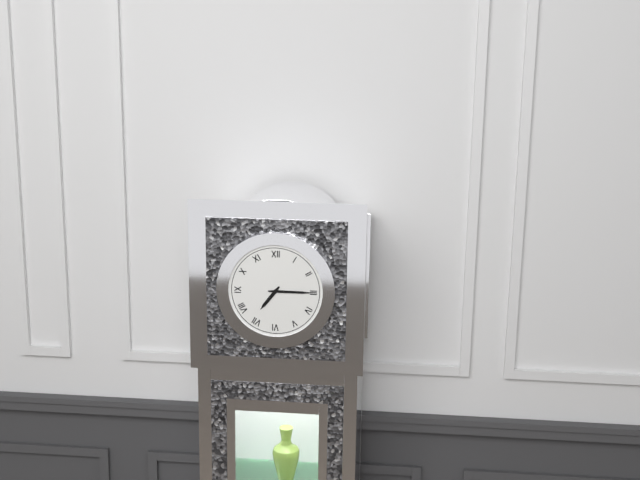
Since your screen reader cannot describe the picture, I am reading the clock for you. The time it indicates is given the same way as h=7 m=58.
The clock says h=7 m=15
